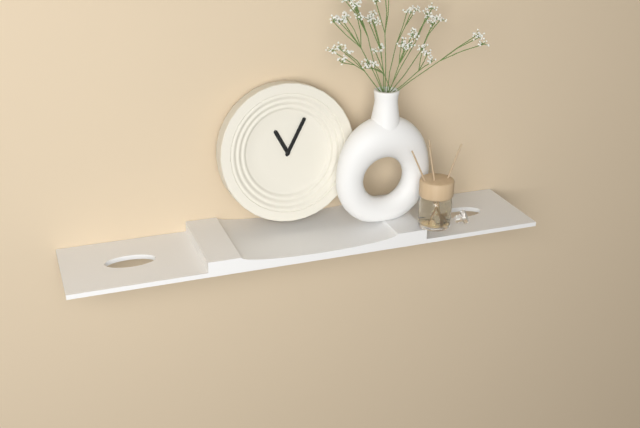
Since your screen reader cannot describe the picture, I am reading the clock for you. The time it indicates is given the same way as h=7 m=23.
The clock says h=11 m=5
